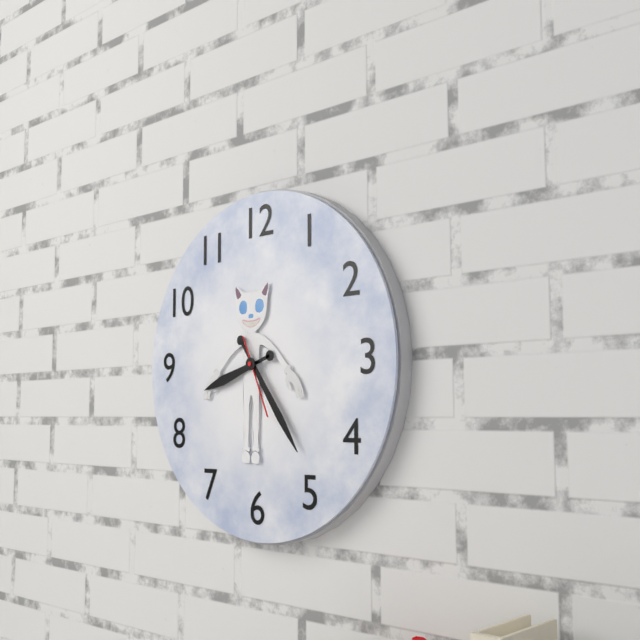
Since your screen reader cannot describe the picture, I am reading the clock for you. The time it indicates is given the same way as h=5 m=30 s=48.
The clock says h=8 m=24 s=26
